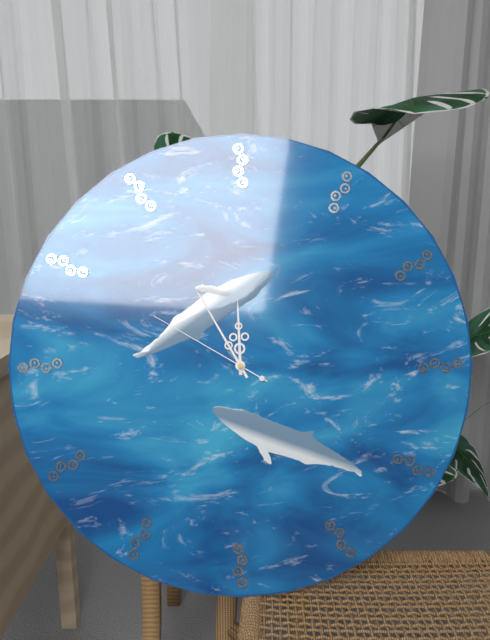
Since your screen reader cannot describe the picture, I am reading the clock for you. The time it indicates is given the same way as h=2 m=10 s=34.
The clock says h=11 m=55 s=50
